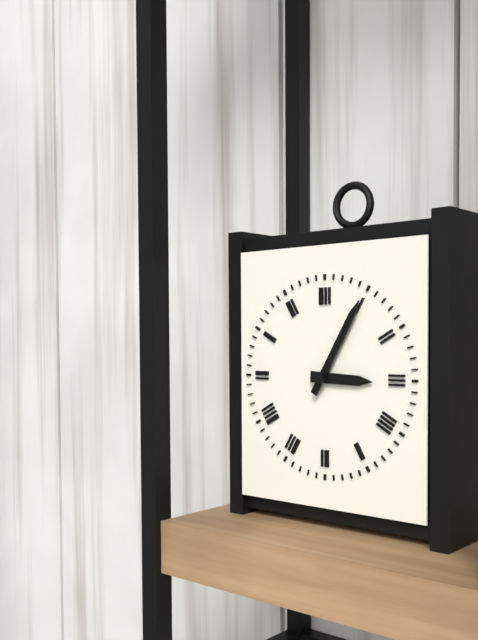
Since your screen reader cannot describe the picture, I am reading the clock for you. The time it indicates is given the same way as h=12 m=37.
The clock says h=3 m=5
